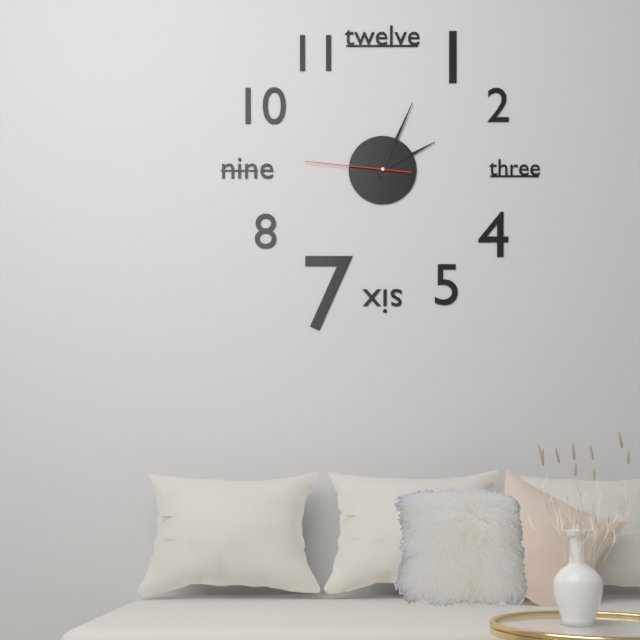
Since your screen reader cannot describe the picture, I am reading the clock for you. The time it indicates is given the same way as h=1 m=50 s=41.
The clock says h=2 m=4 s=46
